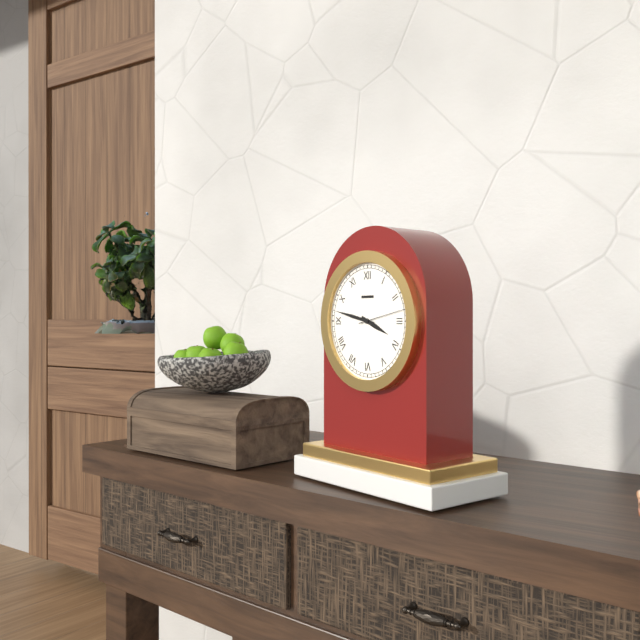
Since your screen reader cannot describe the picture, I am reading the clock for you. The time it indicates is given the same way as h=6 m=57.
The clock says h=3 m=47
